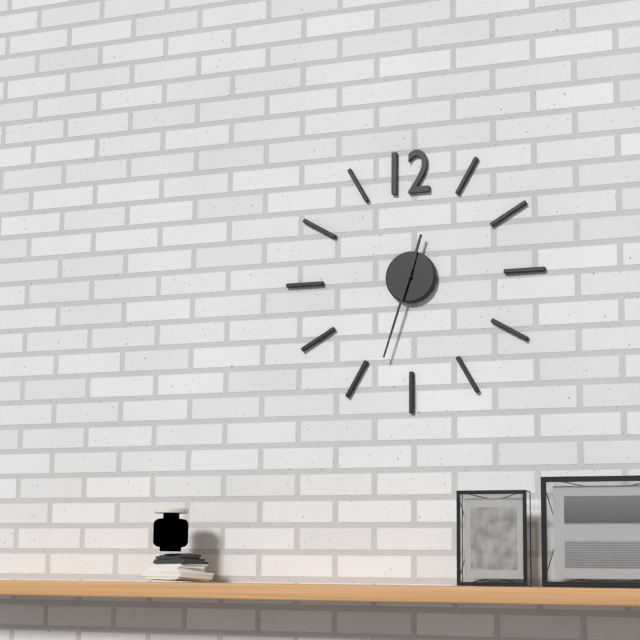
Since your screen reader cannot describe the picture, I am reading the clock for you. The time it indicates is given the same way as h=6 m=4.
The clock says h=12 m=33
